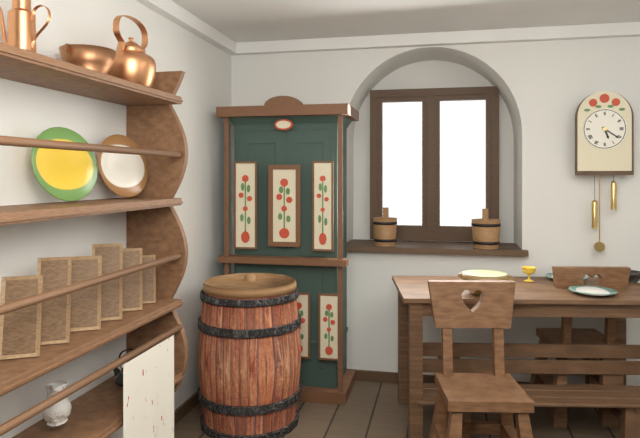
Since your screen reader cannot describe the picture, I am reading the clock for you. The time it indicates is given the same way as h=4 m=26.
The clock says h=5 m=21
